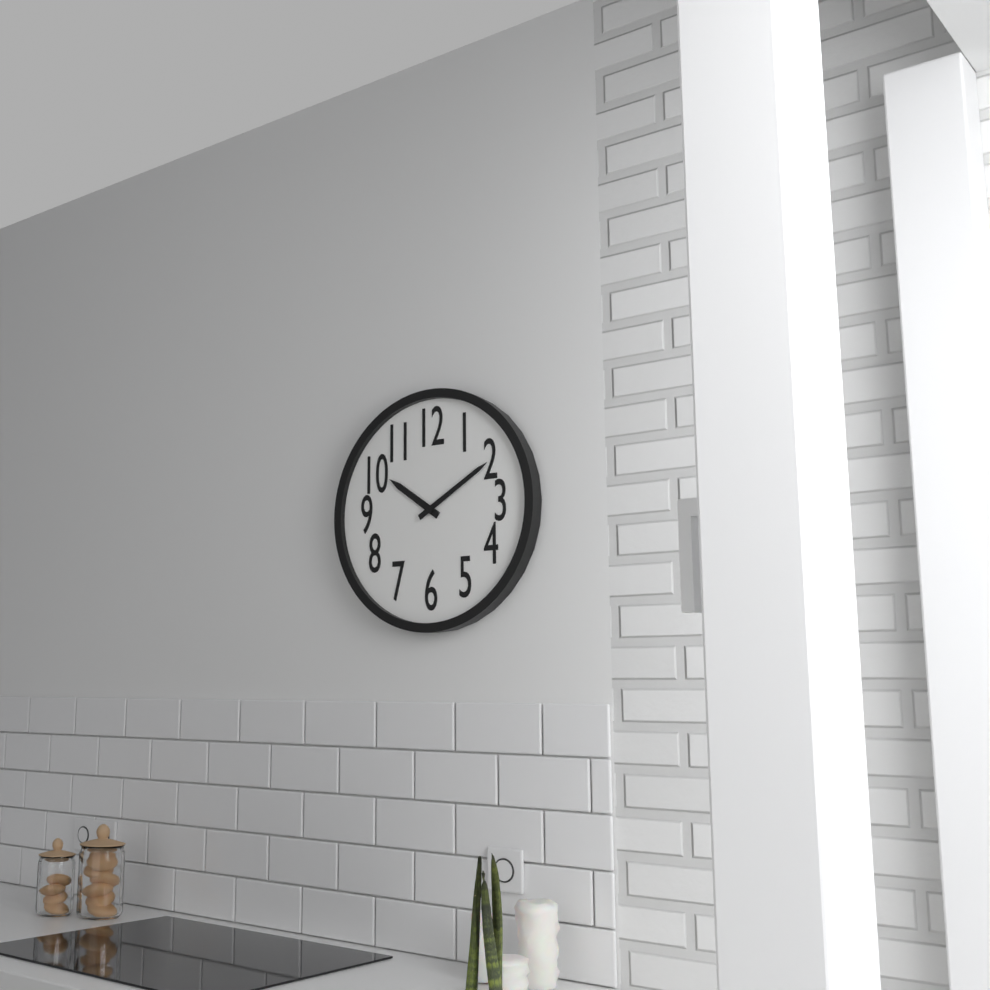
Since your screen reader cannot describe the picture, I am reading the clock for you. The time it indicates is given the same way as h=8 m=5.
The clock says h=10 m=10
